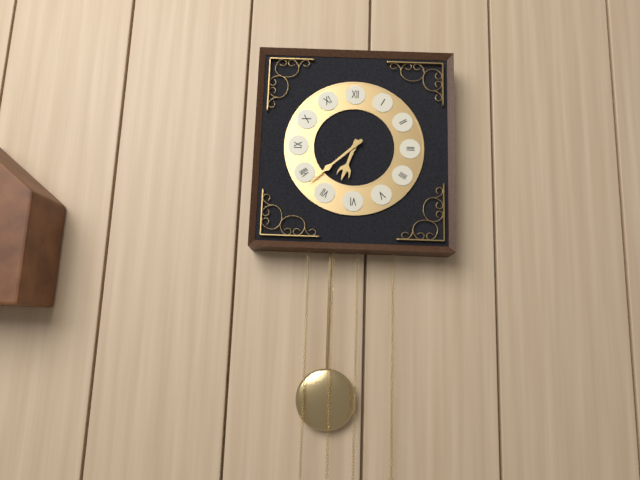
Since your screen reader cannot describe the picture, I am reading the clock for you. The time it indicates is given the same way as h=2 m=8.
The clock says h=6 m=38
